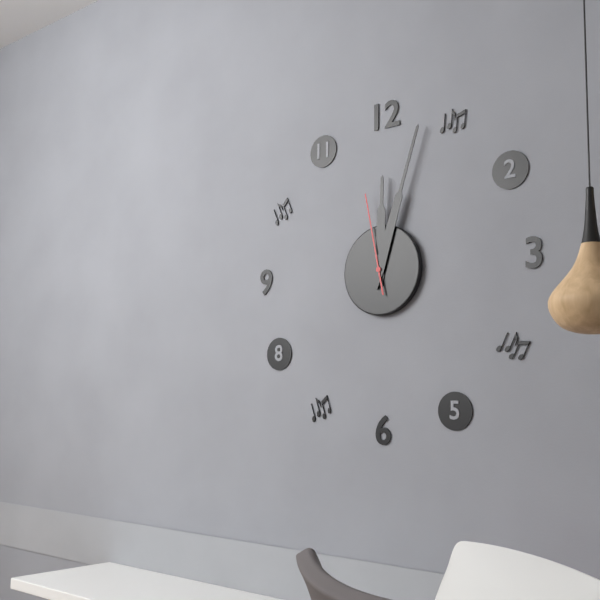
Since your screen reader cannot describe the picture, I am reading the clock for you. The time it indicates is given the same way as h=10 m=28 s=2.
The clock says h=12 m=3 s=58
